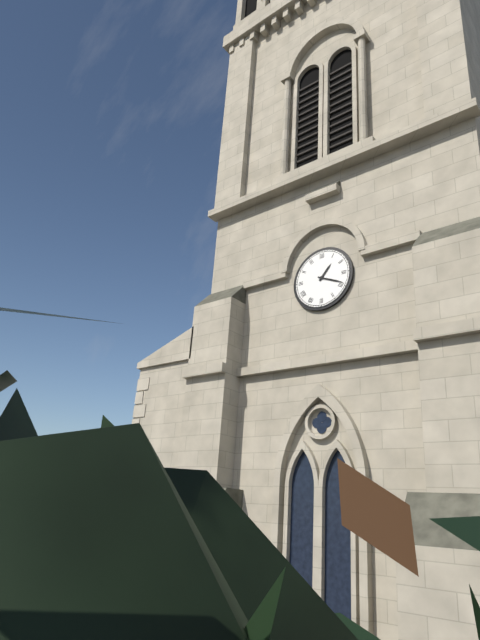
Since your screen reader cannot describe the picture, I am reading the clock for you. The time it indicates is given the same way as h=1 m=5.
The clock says h=1 m=19
